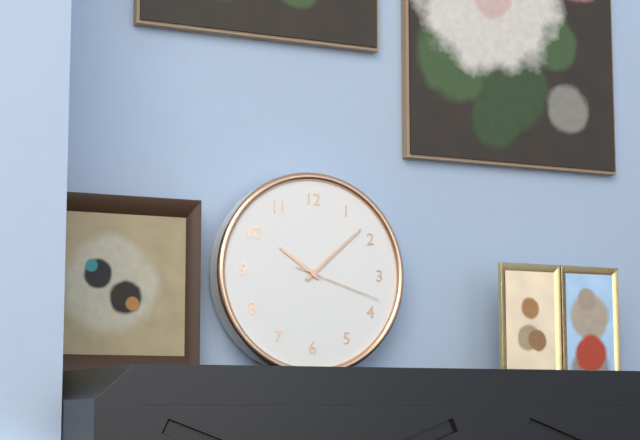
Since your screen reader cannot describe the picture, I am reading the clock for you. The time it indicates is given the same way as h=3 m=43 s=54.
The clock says h=10 m=8 s=18
